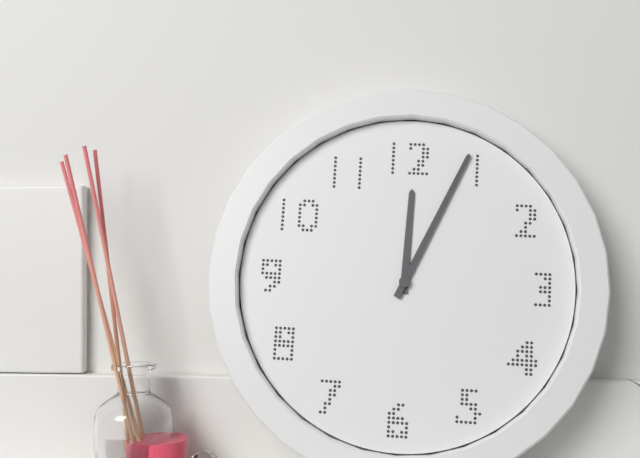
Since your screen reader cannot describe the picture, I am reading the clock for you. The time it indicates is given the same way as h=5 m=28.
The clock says h=12 m=4
